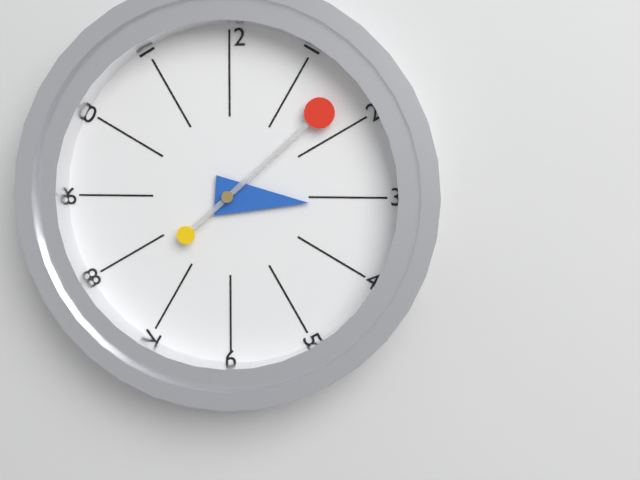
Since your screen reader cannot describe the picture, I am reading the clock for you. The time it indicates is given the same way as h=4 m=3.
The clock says h=3 m=8
